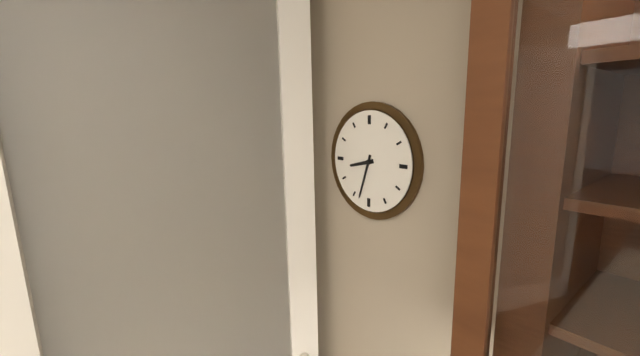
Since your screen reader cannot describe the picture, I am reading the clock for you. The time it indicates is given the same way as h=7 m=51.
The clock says h=8 m=33
